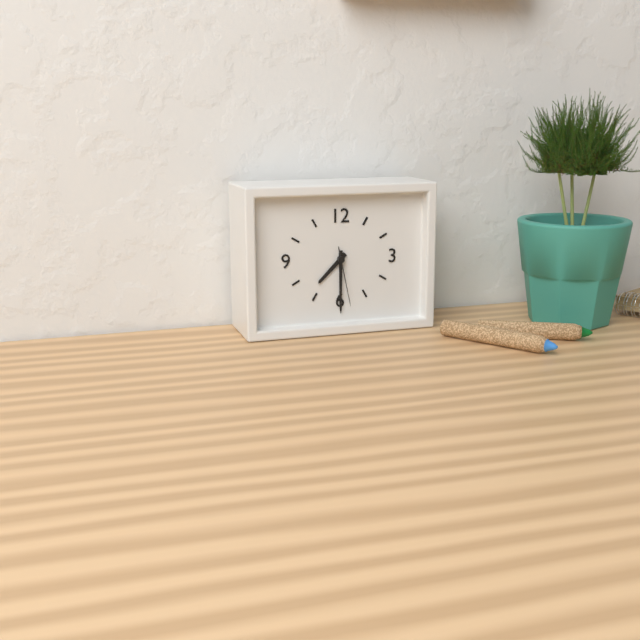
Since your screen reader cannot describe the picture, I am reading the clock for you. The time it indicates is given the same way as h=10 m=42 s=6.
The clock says h=7 m=30 s=28
